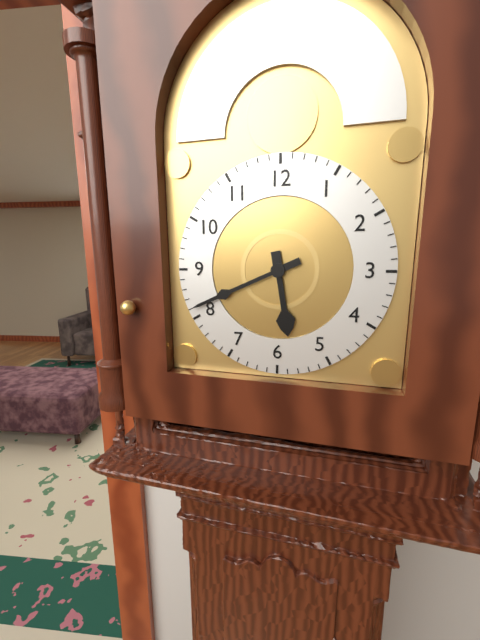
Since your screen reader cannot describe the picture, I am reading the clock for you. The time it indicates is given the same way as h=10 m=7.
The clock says h=5 m=41
